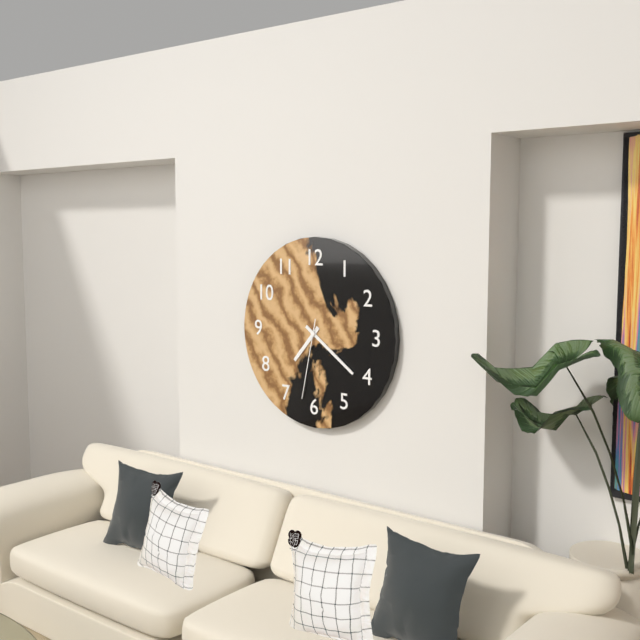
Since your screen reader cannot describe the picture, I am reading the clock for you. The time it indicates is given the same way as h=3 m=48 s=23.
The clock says h=7 m=21 s=32
